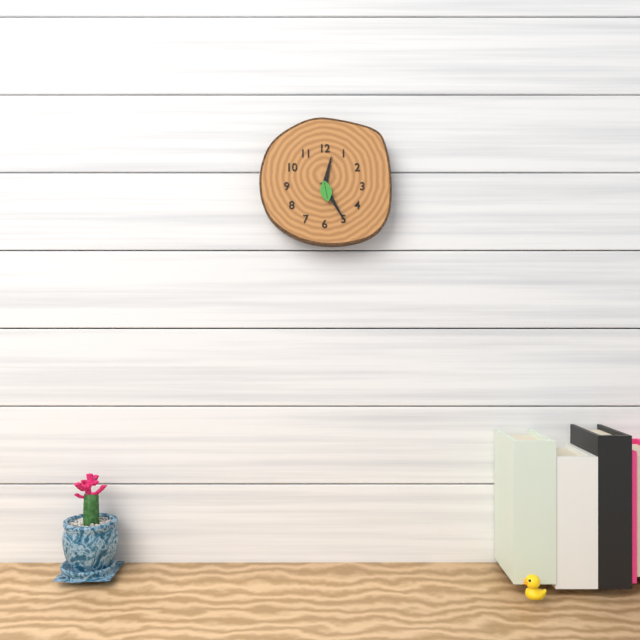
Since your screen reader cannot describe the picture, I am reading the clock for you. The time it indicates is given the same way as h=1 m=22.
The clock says h=12 m=25
